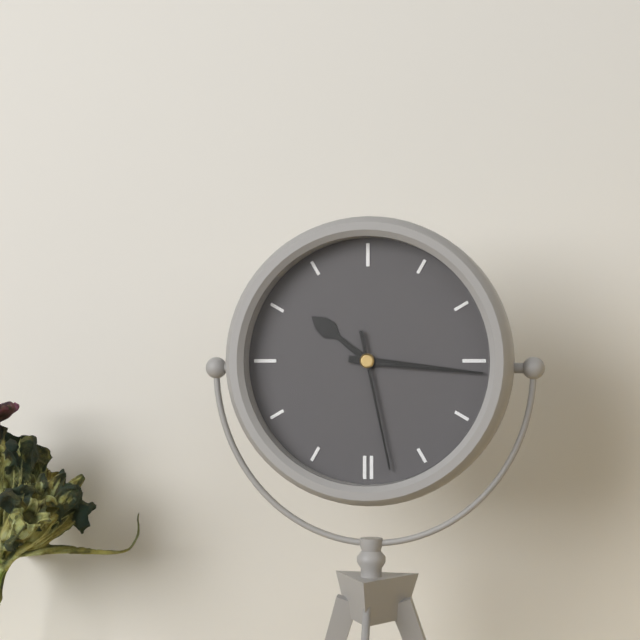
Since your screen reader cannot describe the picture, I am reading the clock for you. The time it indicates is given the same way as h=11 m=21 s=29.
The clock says h=10 m=16 s=28
